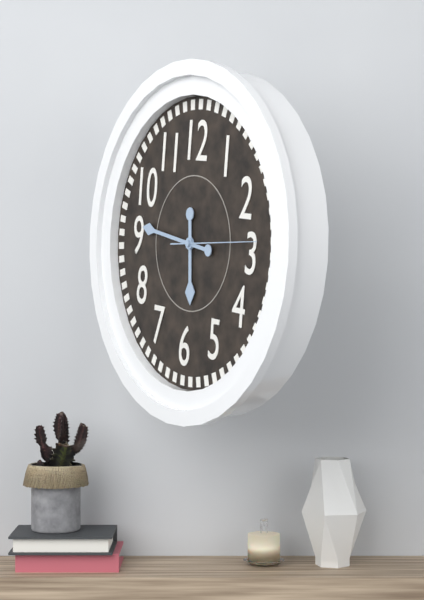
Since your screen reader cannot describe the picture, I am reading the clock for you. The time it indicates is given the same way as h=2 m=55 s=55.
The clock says h=5 m=46 s=14
